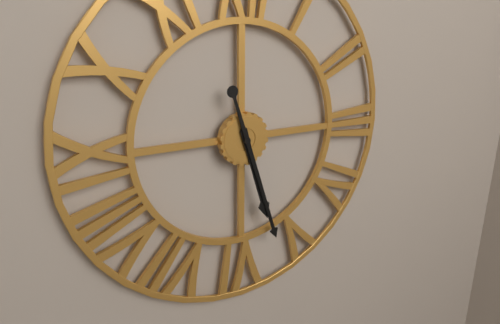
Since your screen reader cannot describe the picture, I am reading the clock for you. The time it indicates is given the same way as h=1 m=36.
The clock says h=5 m=27
